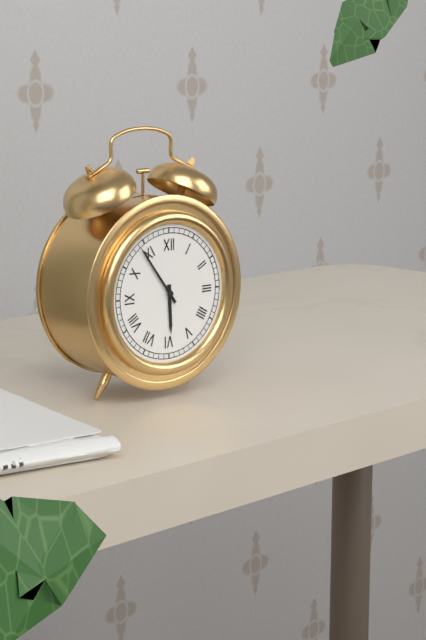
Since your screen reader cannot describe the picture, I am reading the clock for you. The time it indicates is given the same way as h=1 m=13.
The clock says h=5 m=54
